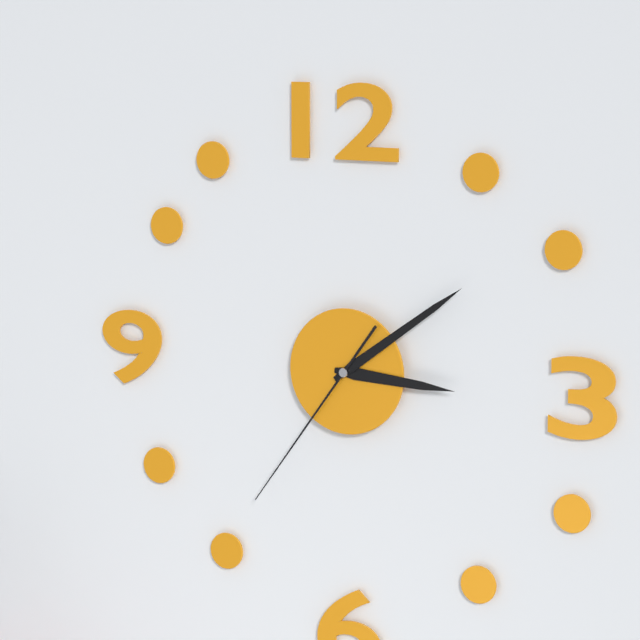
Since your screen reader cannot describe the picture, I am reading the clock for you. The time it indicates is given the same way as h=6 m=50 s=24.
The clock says h=3 m=9 s=36
